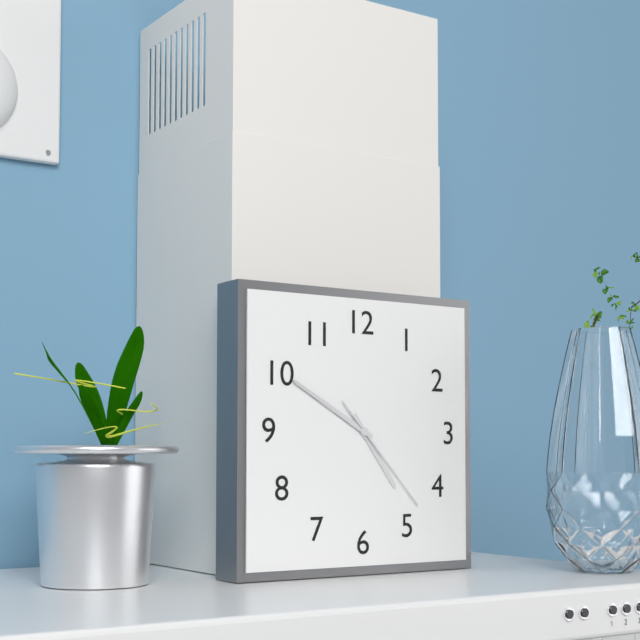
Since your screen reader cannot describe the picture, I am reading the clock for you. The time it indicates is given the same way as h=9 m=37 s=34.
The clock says h=4 m=50 s=23
